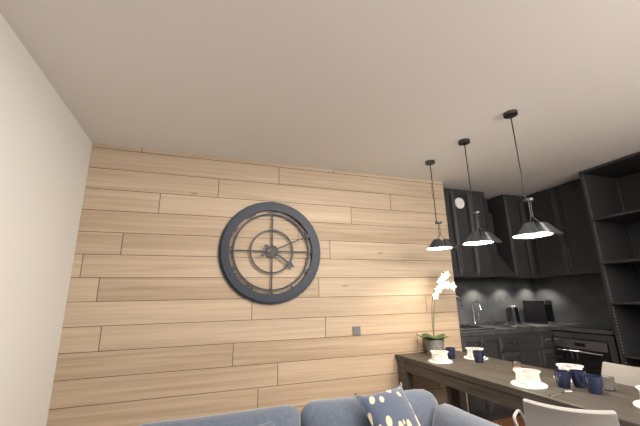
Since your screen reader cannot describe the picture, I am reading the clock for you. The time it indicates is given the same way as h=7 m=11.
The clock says h=4 m=11
